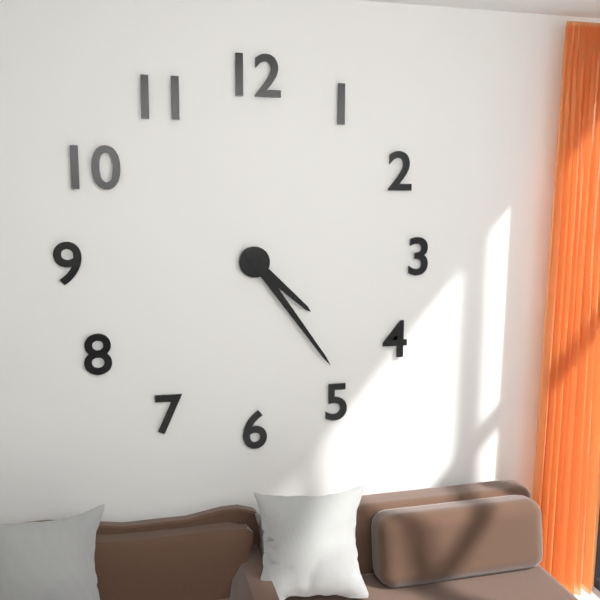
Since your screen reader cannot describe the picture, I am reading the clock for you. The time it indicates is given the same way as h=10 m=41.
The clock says h=4 m=24
